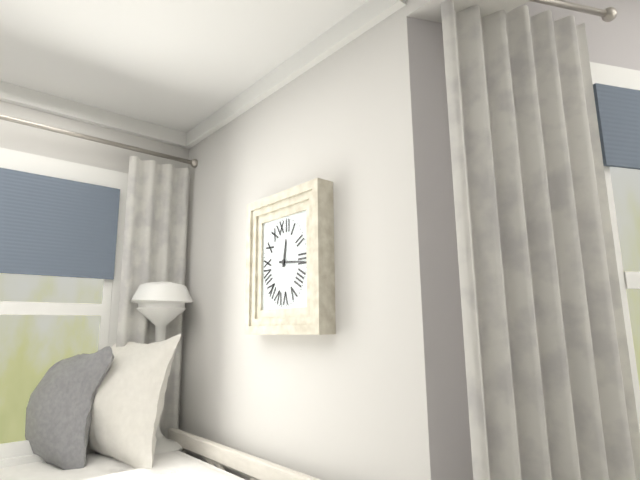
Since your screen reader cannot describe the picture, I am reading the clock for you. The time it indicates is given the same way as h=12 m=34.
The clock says h=12 m=16
